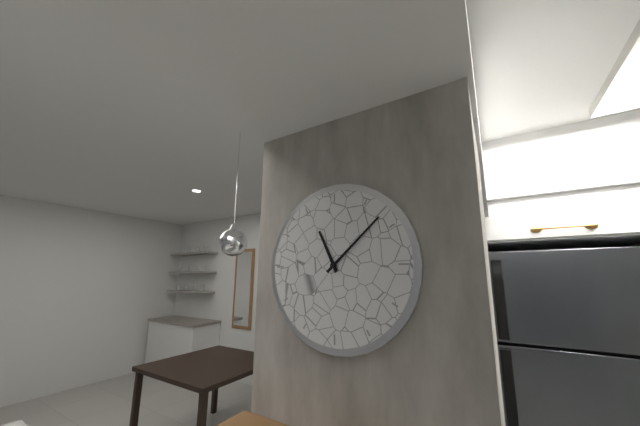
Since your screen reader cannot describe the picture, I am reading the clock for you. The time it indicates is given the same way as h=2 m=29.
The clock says h=11 m=8
